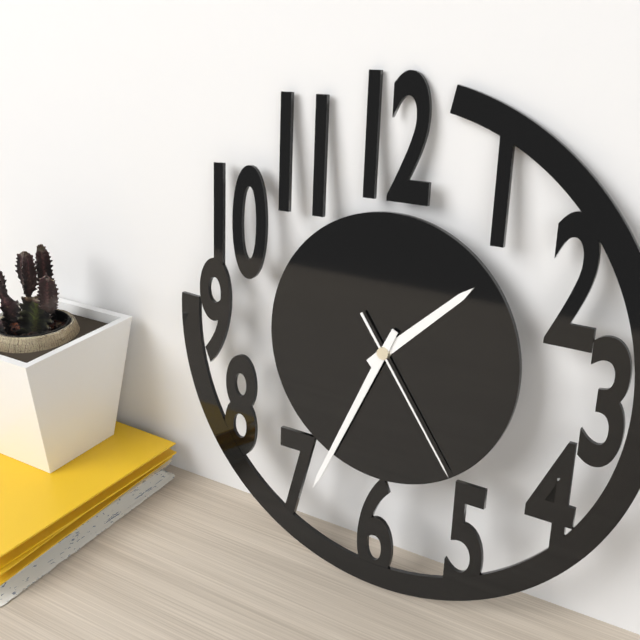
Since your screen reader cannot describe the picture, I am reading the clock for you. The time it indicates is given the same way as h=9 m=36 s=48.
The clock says h=1 m=34 s=24
